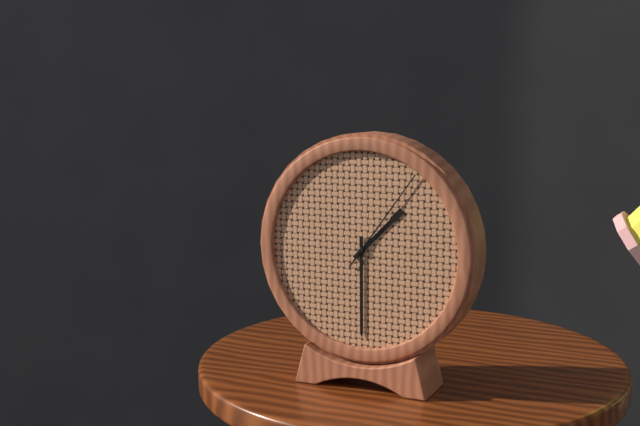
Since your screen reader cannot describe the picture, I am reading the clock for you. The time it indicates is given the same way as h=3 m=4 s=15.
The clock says h=1 m=30 s=6
